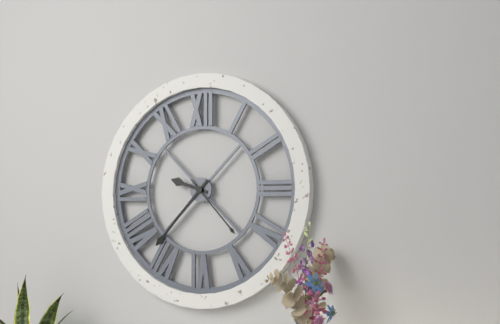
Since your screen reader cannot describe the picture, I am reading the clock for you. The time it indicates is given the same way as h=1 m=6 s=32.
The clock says h=9 m=37 s=23
